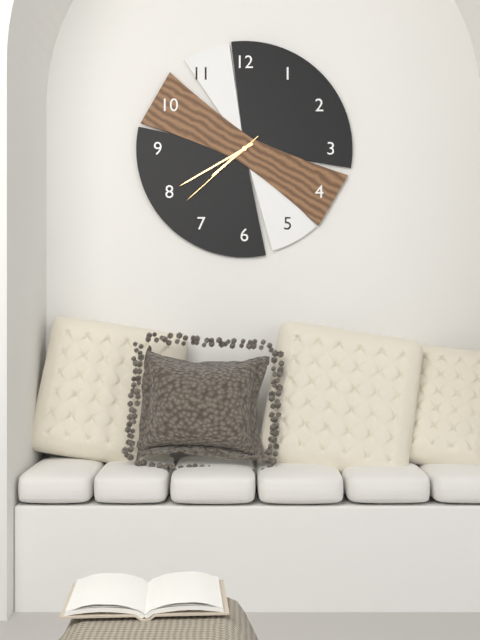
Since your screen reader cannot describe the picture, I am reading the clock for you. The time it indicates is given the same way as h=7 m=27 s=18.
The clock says h=7 m=40 s=38
